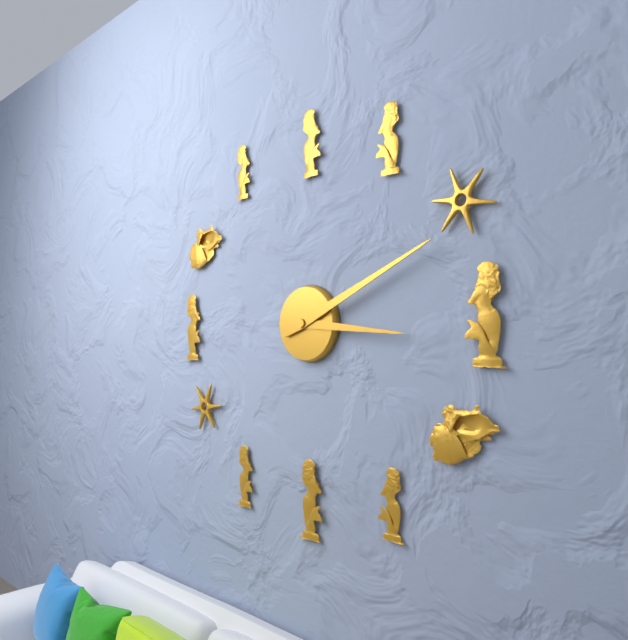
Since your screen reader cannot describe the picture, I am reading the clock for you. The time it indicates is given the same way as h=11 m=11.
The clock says h=3 m=11
